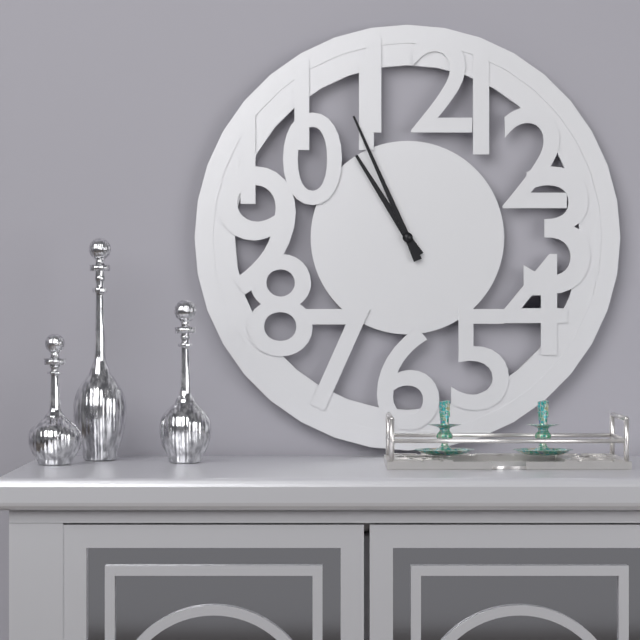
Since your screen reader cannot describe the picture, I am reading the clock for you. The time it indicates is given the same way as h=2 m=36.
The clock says h=10 m=56
